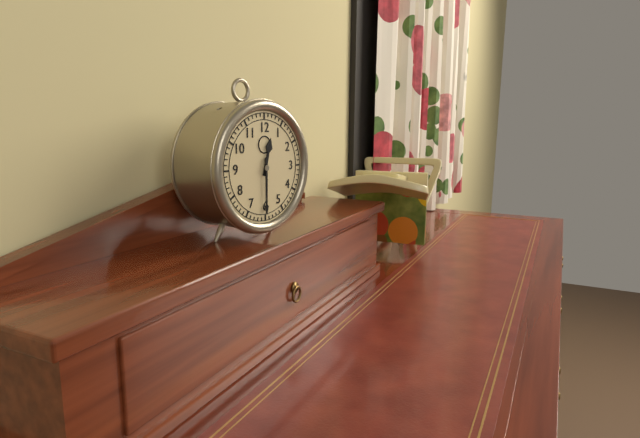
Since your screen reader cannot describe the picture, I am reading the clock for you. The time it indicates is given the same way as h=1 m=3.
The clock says h=12 m=30
